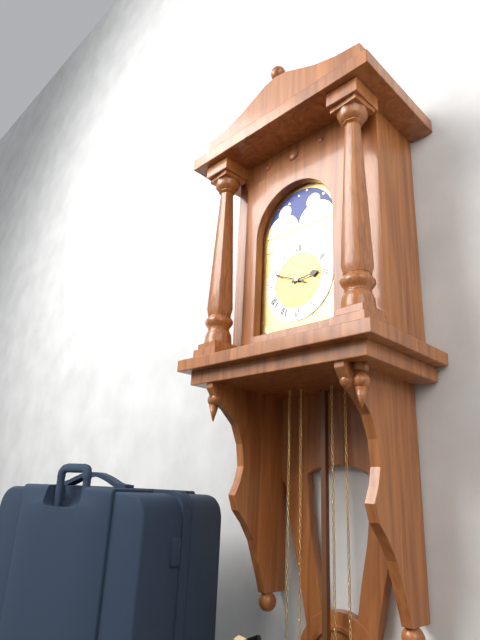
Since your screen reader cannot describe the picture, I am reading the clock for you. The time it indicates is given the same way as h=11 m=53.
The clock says h=2 m=49
